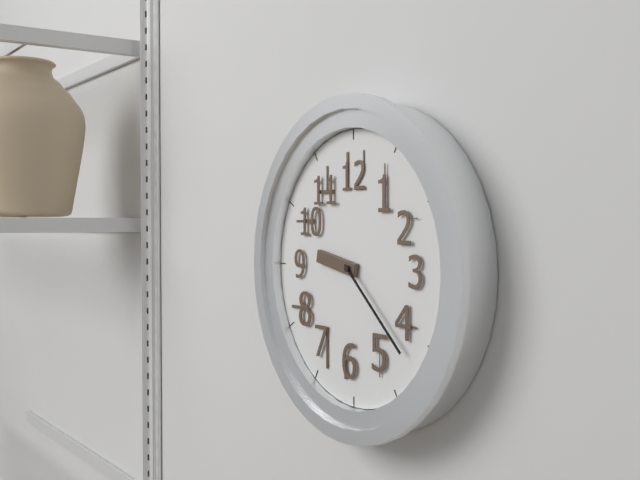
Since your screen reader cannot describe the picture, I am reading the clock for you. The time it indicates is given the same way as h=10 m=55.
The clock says h=9 m=22
